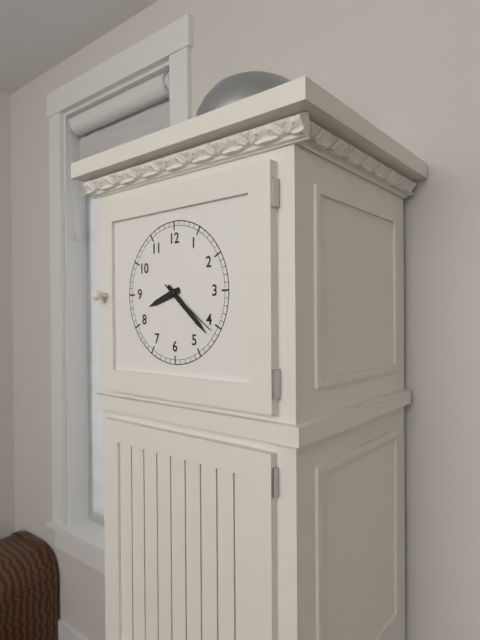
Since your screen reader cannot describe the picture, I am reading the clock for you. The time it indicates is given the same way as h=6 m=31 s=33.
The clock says h=8 m=22 s=21
